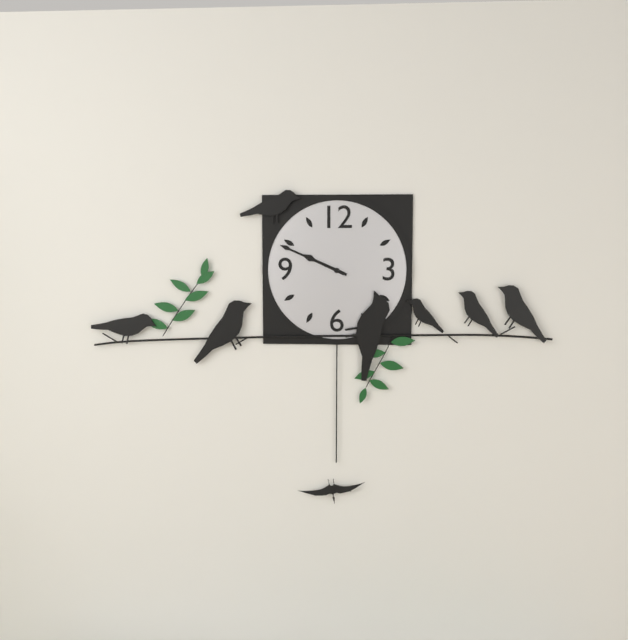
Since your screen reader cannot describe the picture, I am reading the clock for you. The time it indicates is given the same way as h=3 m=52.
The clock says h=9 m=49
